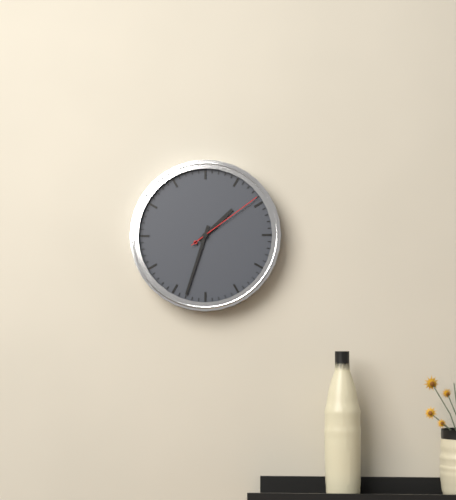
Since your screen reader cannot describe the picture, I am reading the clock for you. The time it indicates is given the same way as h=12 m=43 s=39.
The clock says h=1 m=33 s=9
